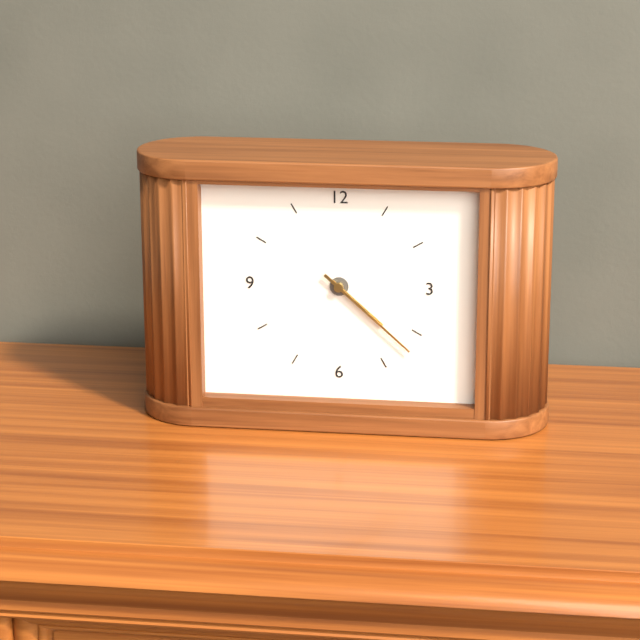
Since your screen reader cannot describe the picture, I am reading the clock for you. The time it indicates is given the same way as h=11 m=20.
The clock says h=4 m=22
